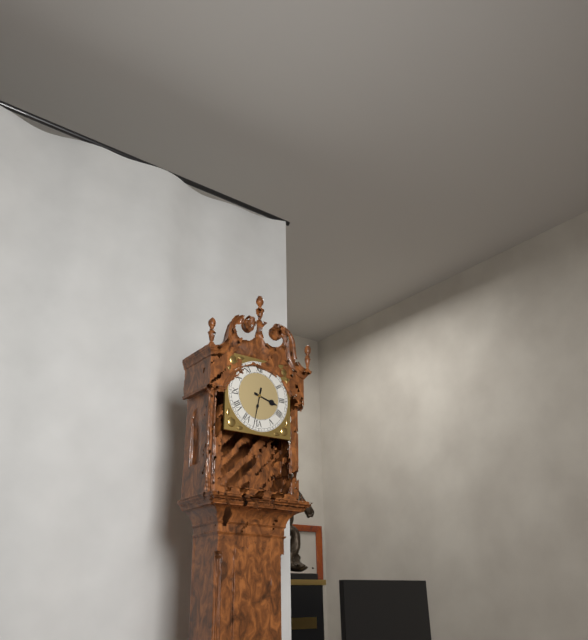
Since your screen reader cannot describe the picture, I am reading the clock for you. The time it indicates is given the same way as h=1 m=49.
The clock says h=3 m=32
